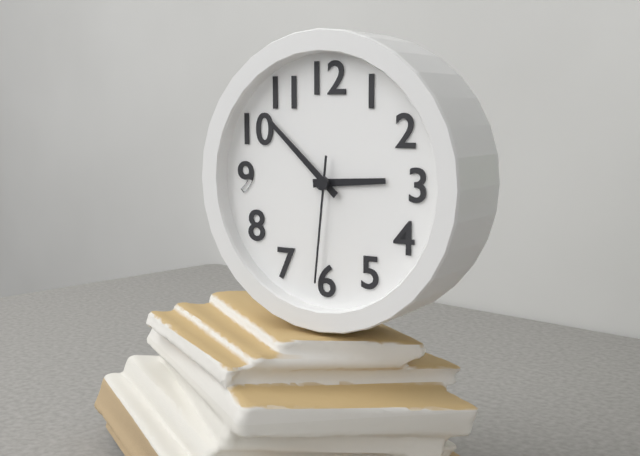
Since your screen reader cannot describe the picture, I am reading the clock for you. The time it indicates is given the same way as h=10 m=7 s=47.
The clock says h=2 m=52 s=31
